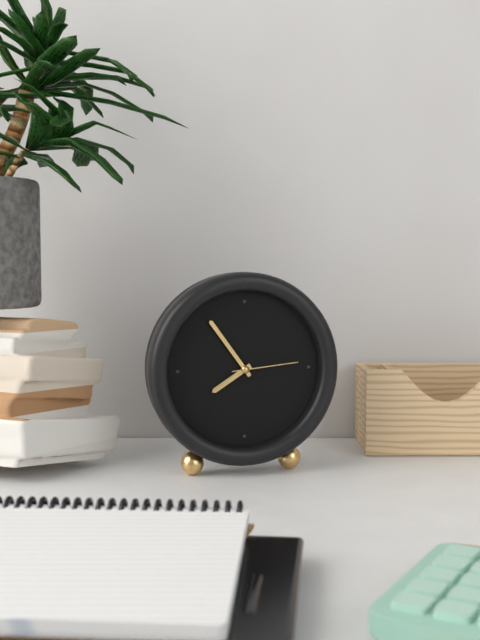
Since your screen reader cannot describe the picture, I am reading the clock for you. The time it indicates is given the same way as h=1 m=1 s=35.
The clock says h=7 m=54 s=14
